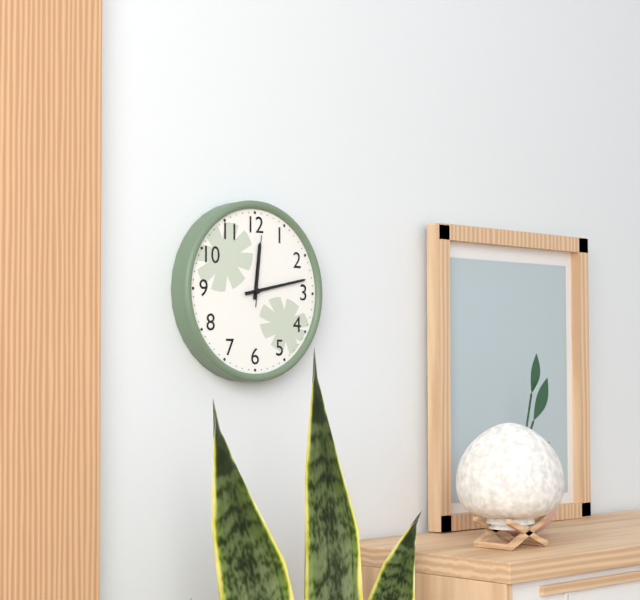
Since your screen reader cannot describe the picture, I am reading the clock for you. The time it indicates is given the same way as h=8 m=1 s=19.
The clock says h=12 m=13 s=1
